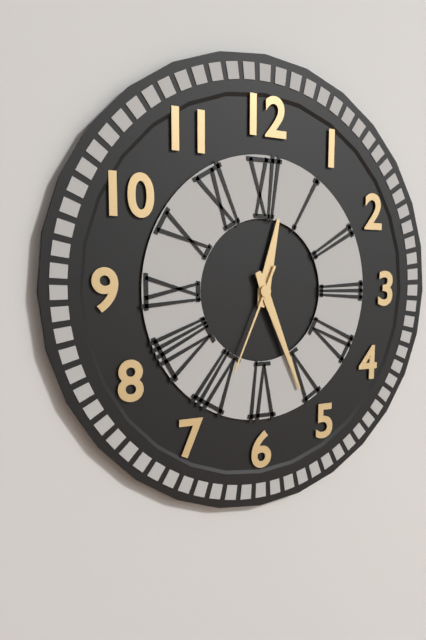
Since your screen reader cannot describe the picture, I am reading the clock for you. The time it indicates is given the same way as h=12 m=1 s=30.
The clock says h=12 m=26 s=34
